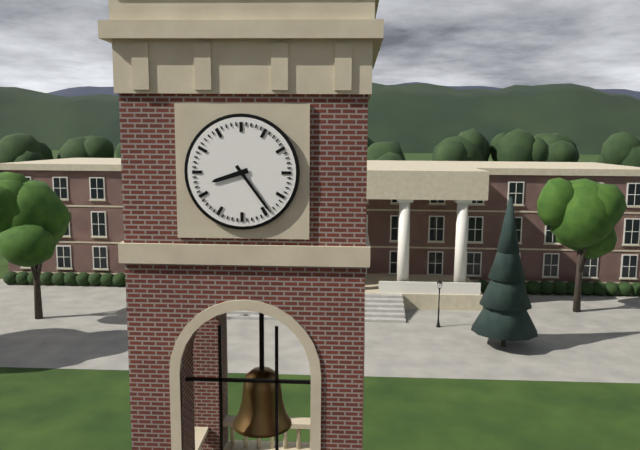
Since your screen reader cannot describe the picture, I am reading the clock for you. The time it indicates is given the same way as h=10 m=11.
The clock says h=8 m=24
